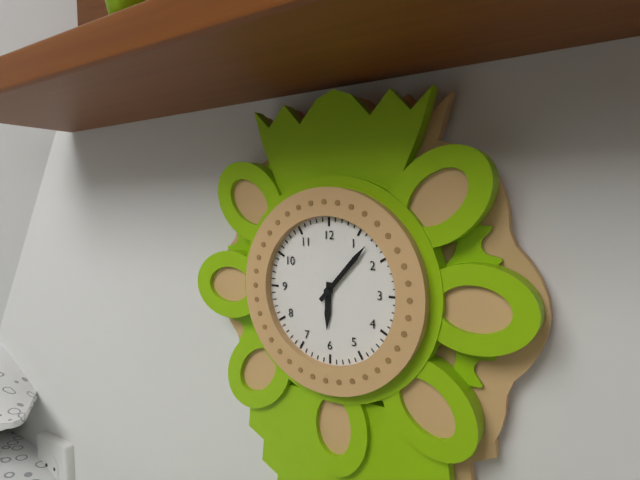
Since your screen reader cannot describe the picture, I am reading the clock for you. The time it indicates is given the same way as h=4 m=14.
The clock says h=6 m=7
